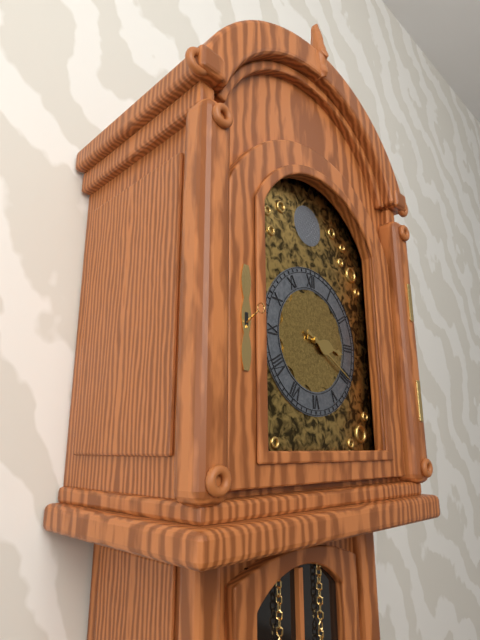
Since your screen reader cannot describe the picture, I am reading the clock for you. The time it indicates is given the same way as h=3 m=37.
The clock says h=3 m=20
